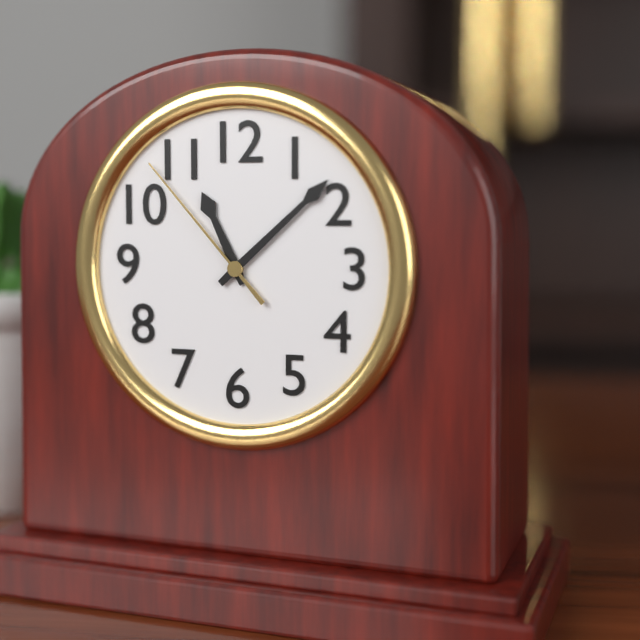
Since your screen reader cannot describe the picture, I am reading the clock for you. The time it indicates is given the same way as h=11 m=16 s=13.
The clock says h=11 m=8 s=53
